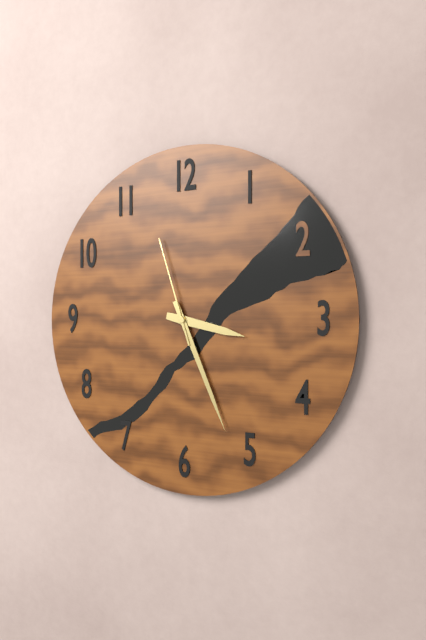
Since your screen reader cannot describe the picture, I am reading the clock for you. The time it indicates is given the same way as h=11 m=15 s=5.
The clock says h=3 m=26 s=57
